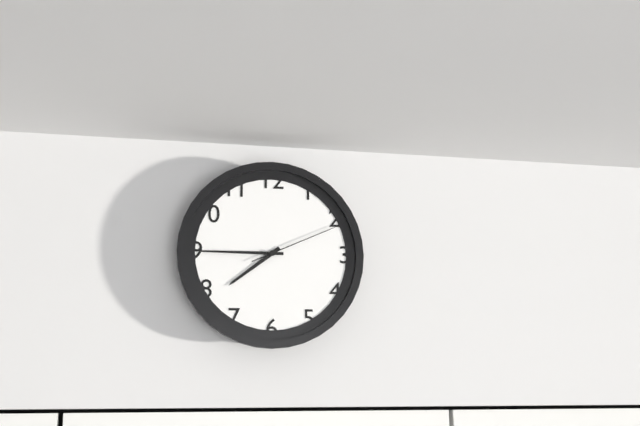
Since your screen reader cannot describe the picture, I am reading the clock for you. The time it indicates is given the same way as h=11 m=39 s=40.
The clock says h=7 m=45 s=11
